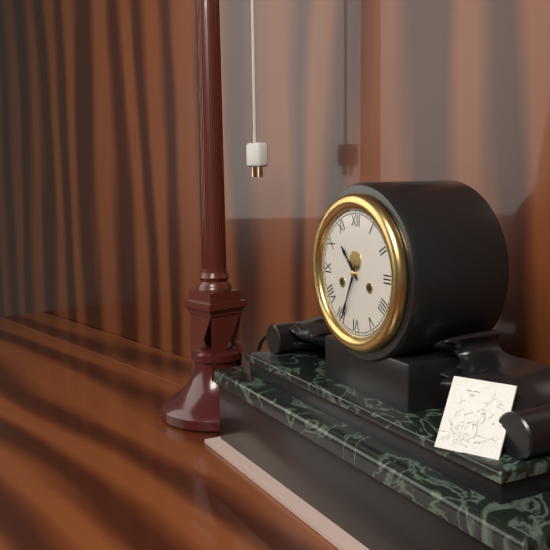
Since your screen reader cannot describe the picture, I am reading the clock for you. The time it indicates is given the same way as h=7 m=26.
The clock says h=10 m=34
